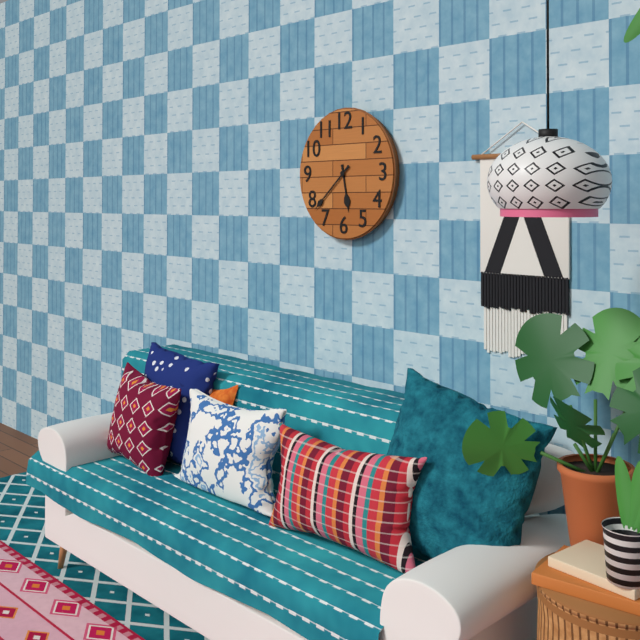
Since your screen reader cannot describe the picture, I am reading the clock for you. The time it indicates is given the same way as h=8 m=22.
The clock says h=5 m=38
